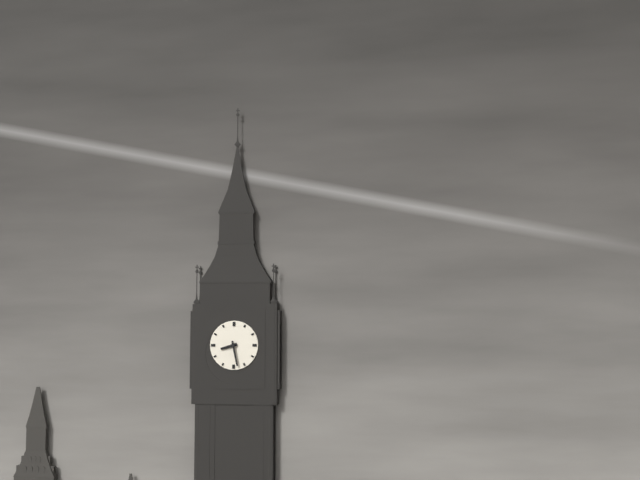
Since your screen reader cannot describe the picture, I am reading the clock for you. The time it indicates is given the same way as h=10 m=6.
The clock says h=8 m=28
